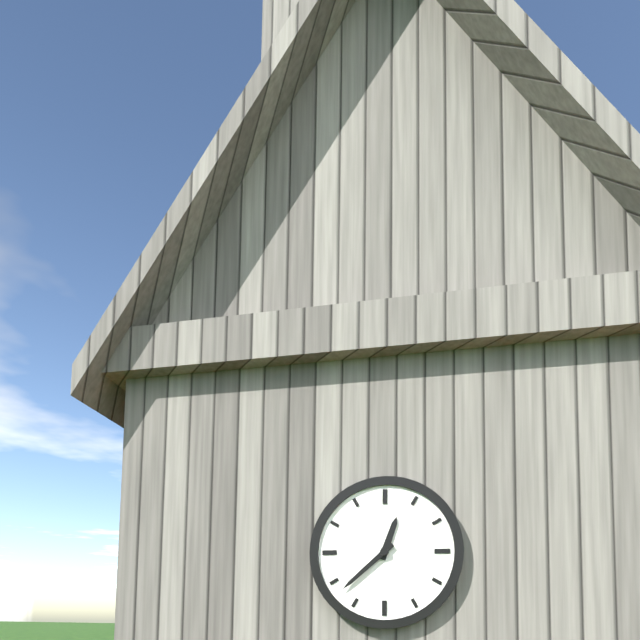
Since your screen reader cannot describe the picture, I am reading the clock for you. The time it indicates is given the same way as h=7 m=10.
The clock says h=12 m=38
